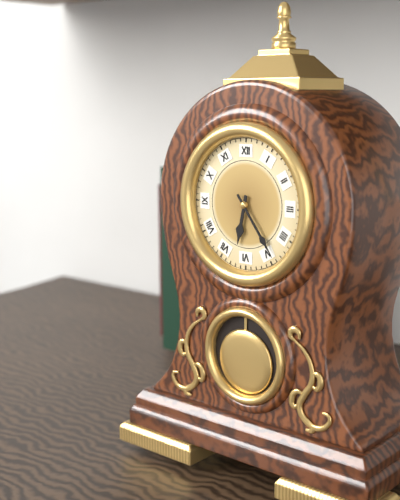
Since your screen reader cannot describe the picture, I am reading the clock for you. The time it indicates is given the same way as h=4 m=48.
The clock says h=6 m=24
